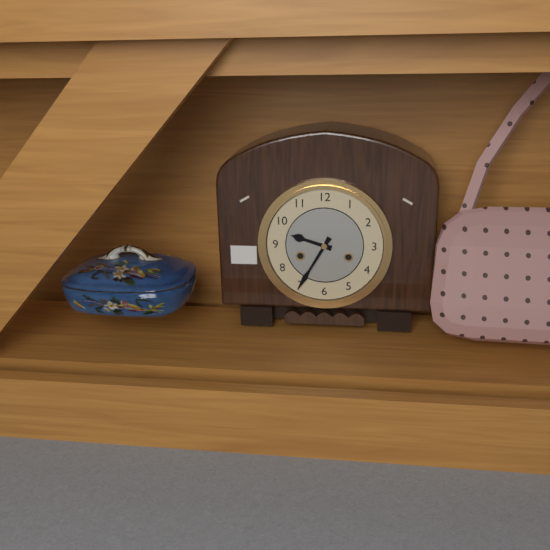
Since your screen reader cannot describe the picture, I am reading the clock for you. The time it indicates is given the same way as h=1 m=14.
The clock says h=9 m=35
